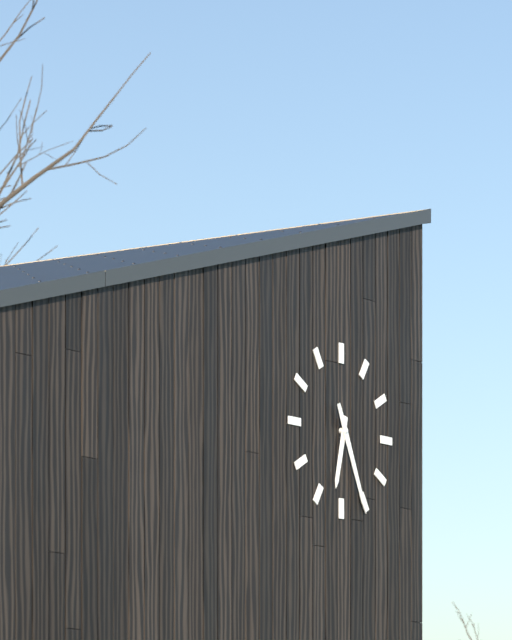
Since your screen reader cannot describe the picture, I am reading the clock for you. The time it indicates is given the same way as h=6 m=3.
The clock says h=6 m=26
